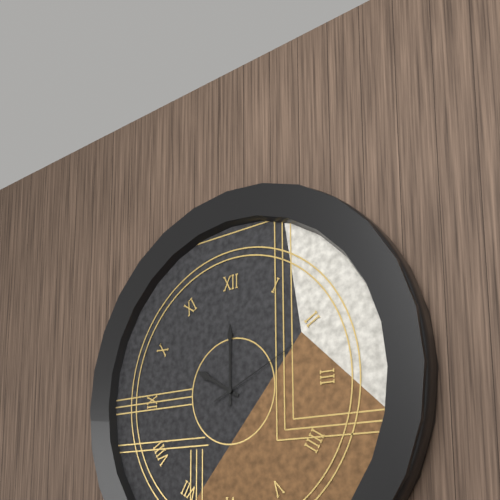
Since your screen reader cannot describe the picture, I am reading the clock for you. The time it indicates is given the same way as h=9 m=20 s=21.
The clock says h=10 m=0 s=11
